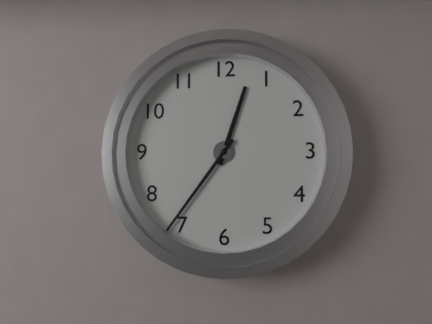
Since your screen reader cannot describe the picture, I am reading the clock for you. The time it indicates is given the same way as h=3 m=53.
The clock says h=12 m=36
